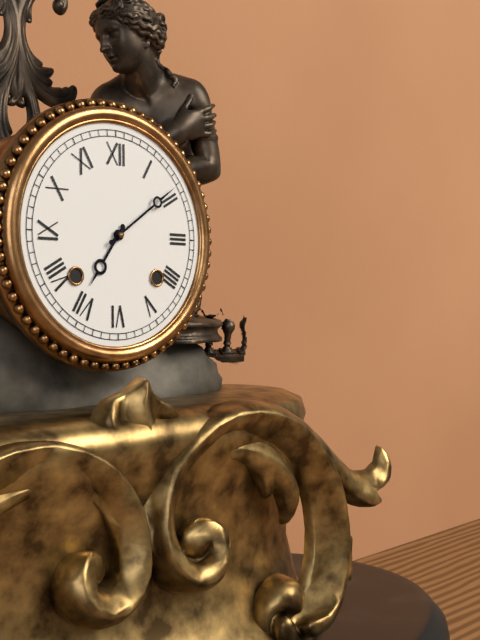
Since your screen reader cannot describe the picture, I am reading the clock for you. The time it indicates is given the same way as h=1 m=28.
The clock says h=7 m=9
